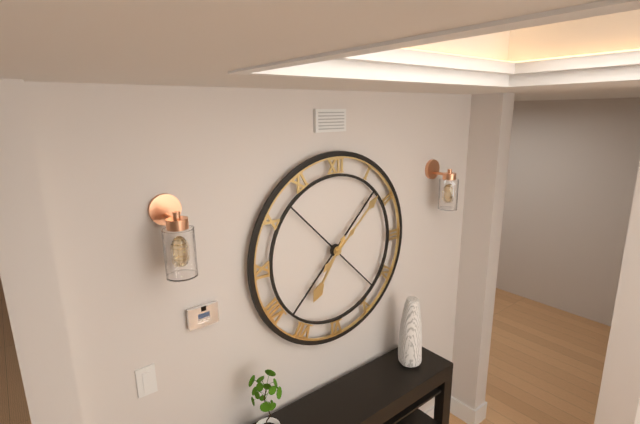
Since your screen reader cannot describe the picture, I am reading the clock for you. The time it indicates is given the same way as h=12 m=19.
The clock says h=7 m=8
